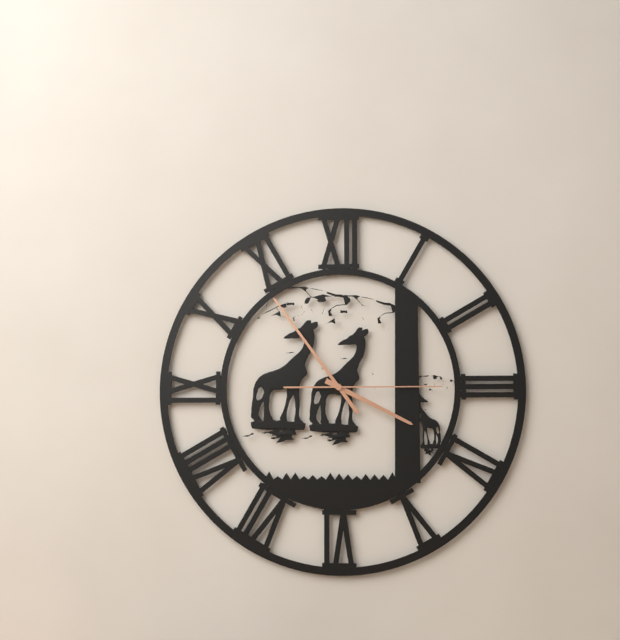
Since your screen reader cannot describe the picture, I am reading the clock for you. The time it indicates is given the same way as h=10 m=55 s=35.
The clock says h=3 m=54 s=15
